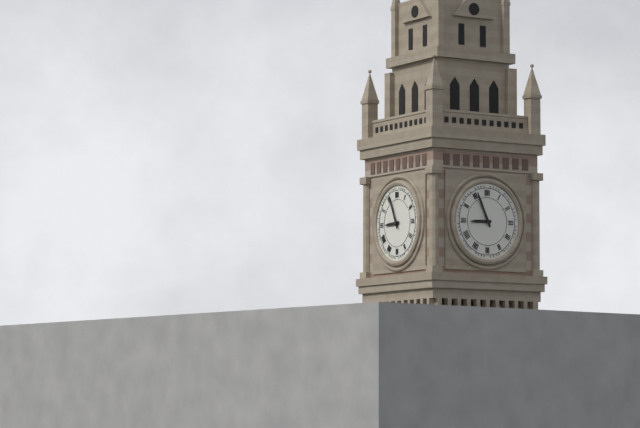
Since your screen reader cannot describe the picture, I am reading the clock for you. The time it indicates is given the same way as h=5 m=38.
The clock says h=8 m=56
